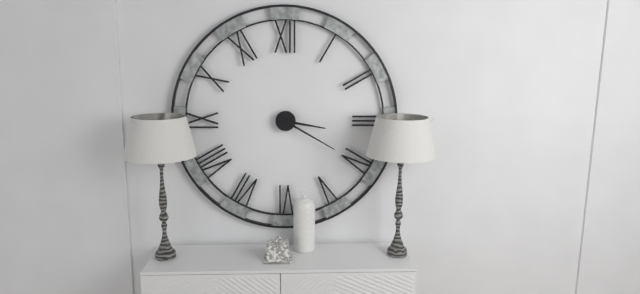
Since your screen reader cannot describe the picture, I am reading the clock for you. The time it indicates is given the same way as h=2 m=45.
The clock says h=3 m=20
